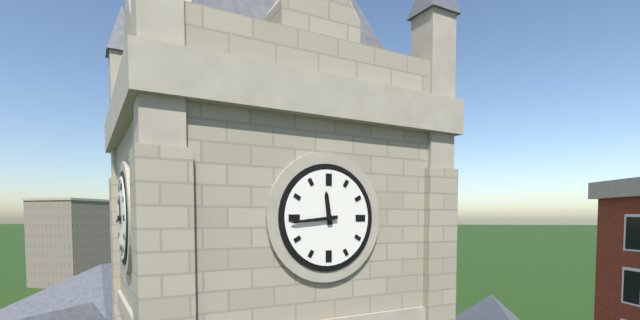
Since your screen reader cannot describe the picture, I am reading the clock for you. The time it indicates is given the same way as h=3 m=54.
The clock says h=11 m=44
